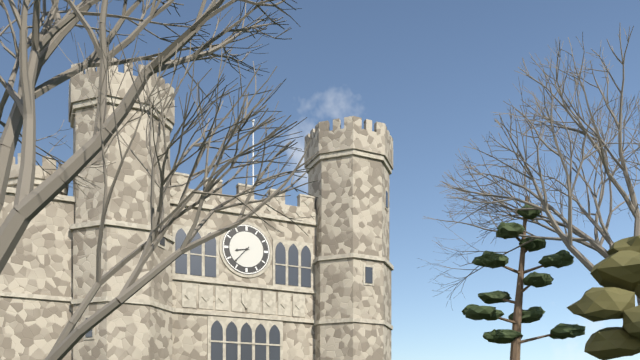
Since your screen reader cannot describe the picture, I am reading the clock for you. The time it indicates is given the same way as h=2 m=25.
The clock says h=8 m=37
